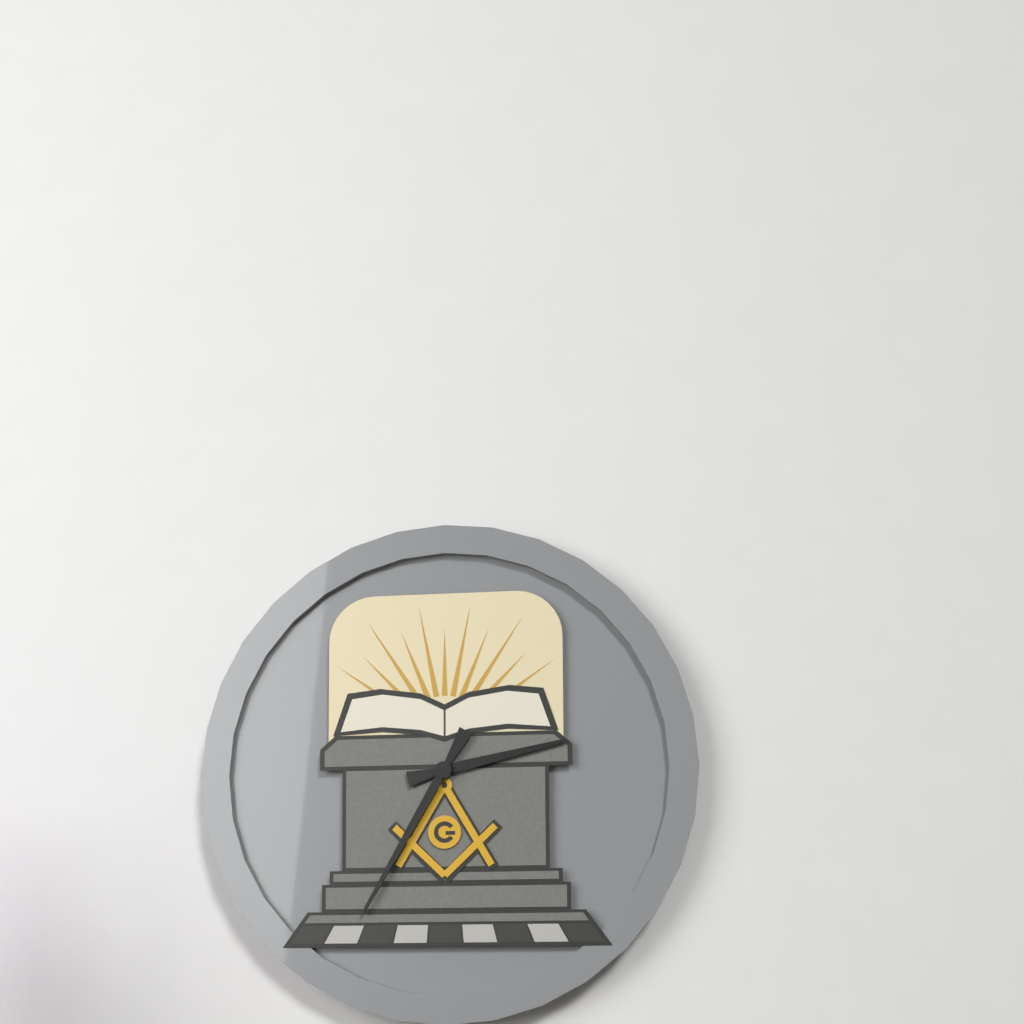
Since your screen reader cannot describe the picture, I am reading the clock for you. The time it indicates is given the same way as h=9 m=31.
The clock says h=2 m=35
